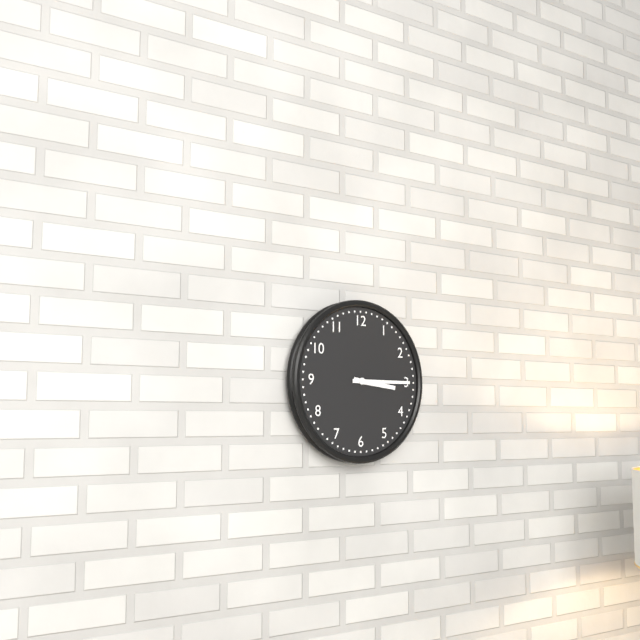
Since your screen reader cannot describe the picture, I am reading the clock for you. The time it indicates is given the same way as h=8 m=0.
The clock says h=3 m=15
